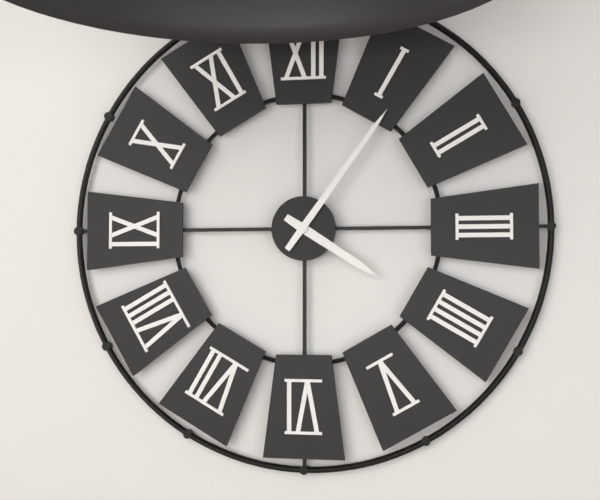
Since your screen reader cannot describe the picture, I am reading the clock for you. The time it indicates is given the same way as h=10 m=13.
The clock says h=4 m=6
